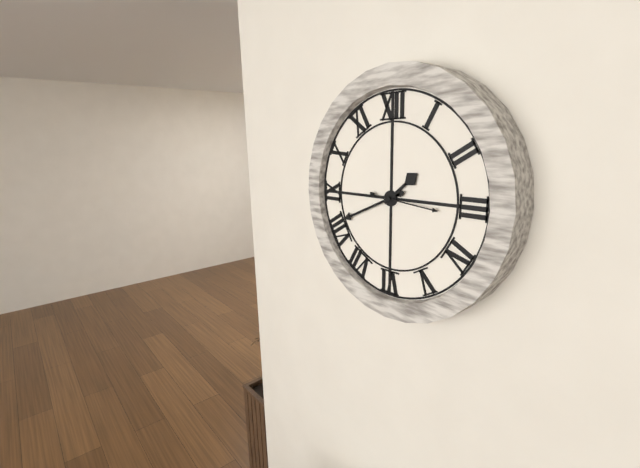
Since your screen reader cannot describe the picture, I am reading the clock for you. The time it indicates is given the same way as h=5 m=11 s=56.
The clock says h=1 m=41 s=16
